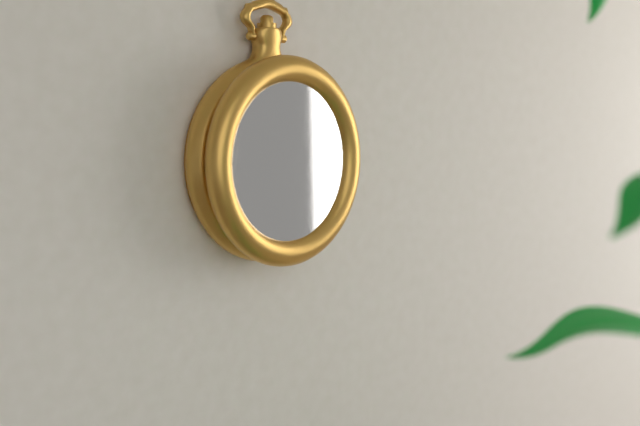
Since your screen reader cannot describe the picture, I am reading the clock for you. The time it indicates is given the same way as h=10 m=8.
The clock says h=4 m=5
